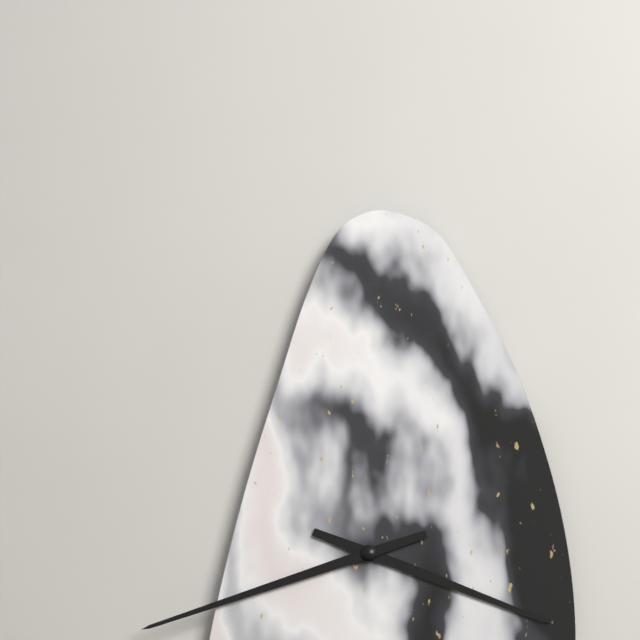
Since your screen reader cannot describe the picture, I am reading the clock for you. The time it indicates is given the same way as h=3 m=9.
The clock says h=3 m=42
